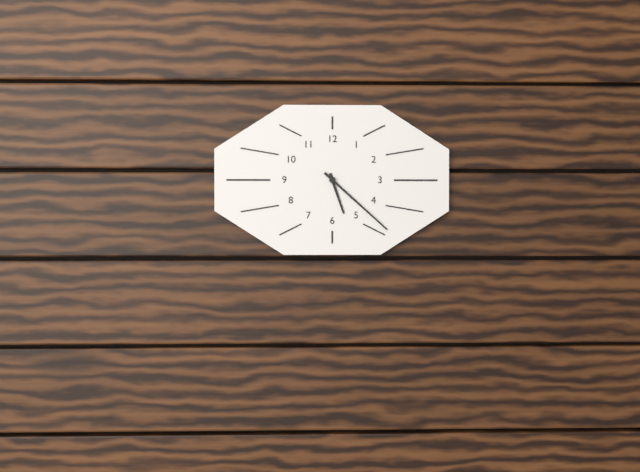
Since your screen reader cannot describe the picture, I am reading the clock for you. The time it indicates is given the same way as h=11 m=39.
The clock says h=5 m=22
